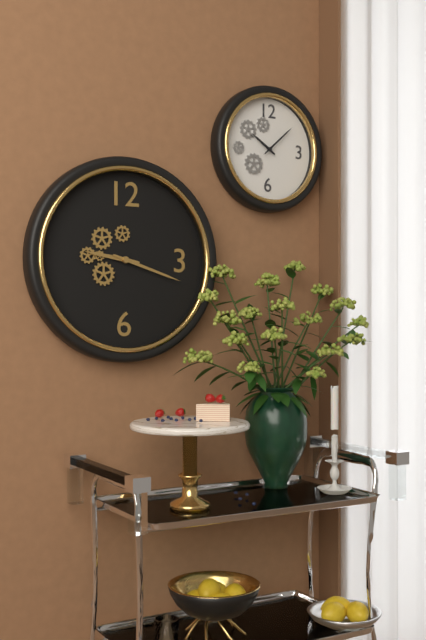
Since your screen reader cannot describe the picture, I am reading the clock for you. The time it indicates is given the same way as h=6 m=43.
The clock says h=9 m=18
